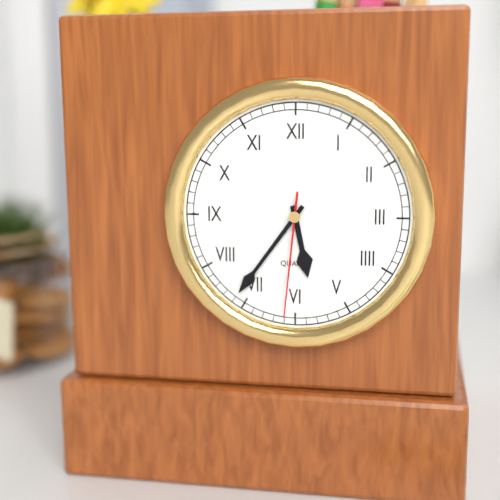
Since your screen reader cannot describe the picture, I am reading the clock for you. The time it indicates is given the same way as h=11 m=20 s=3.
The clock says h=5 m=36 s=31
